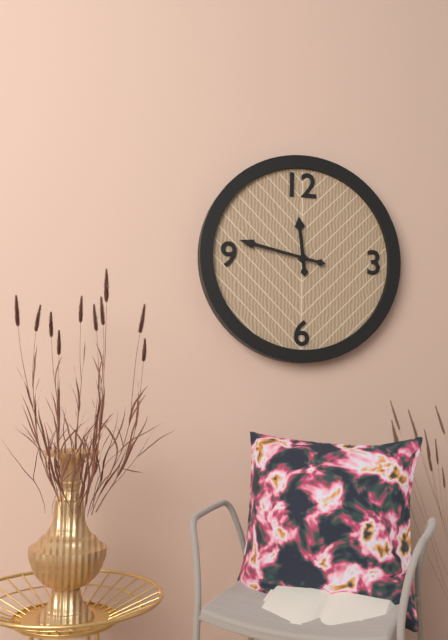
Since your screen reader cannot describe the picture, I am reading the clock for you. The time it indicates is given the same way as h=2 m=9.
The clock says h=11 m=47
